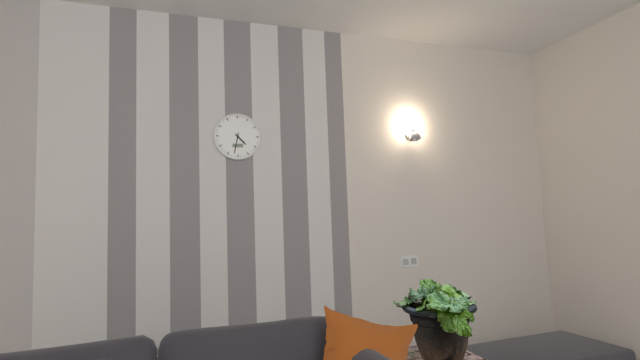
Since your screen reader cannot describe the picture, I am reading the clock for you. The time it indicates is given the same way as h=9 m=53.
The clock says h=4 m=32
